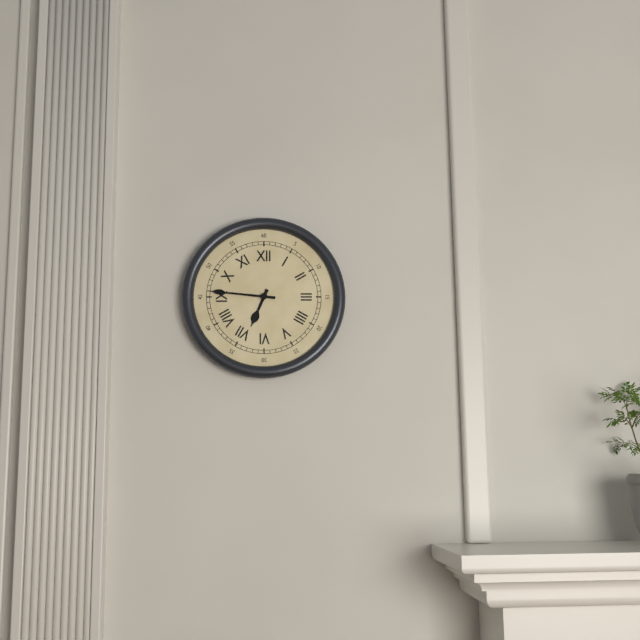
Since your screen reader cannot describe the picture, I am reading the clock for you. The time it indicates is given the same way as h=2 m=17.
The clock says h=6 m=46
